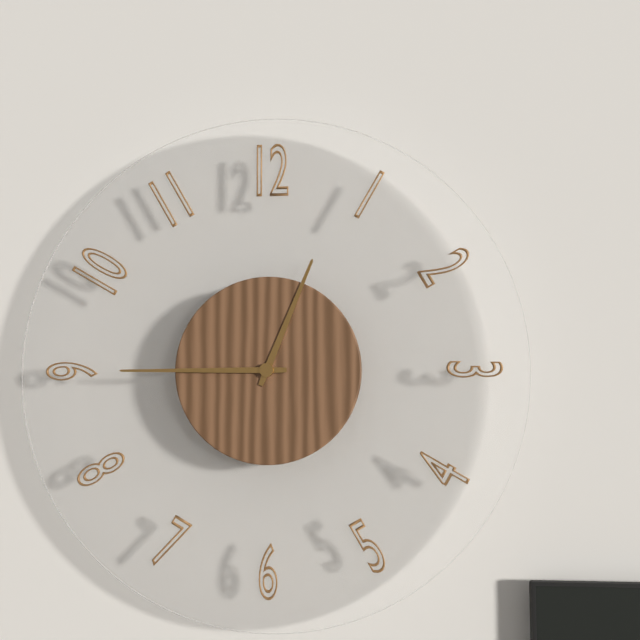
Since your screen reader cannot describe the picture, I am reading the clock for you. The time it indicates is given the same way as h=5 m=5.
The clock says h=12 m=45
